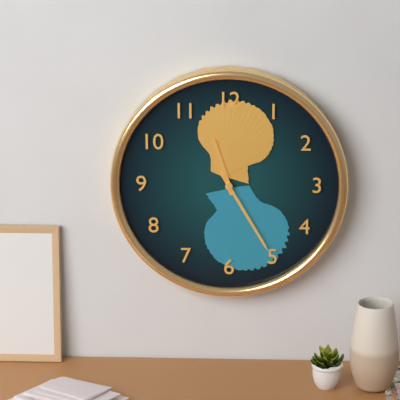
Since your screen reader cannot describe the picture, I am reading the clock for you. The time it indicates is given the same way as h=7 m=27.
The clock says h=11 m=25
